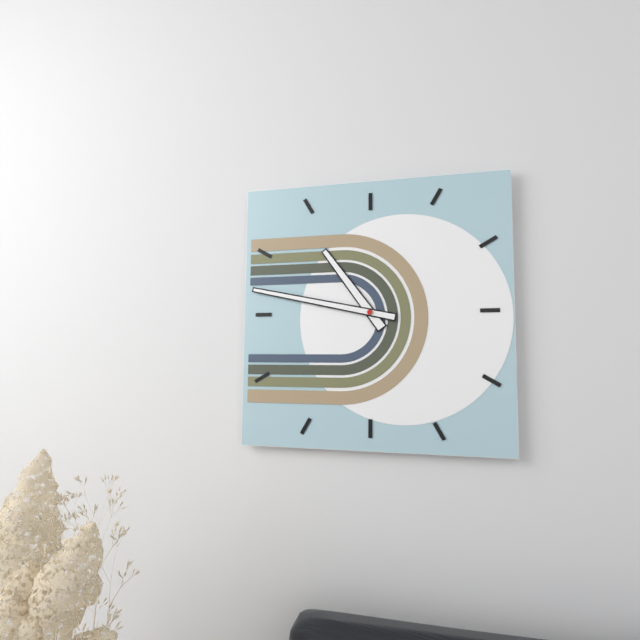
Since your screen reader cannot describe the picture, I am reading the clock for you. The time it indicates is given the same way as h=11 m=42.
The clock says h=10 m=47
